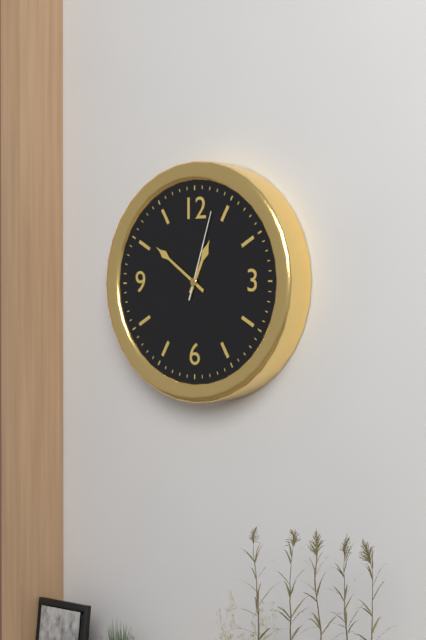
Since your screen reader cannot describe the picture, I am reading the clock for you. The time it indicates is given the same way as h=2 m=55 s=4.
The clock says h=12 m=51 s=3
